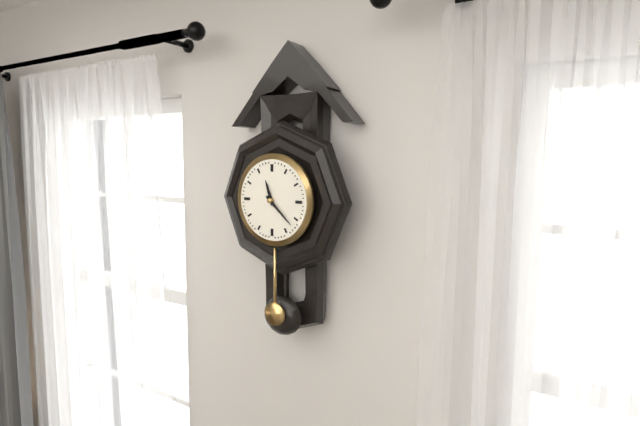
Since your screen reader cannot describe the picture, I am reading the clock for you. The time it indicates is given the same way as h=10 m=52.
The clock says h=11 m=22
